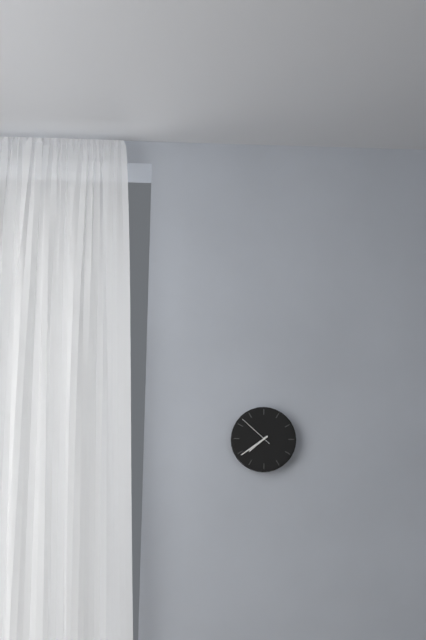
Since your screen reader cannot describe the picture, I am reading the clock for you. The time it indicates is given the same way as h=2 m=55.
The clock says h=7 m=39
